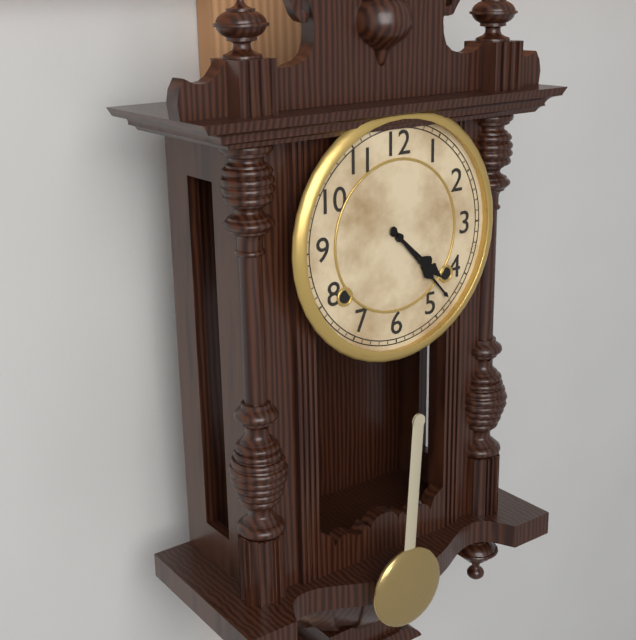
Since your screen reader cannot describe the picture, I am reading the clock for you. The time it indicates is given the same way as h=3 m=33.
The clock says h=4 m=23
